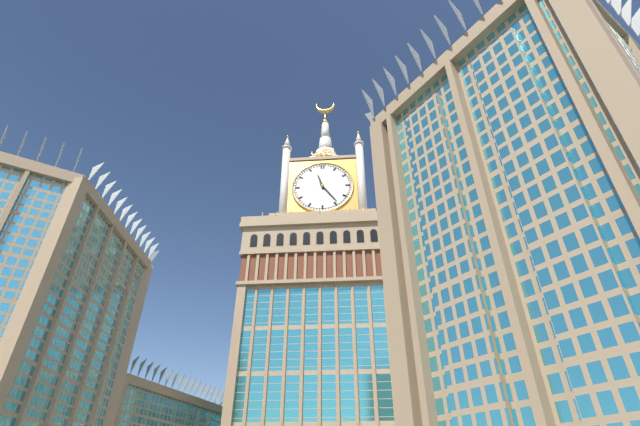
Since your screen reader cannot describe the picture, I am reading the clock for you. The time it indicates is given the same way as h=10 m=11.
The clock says h=11 m=24
